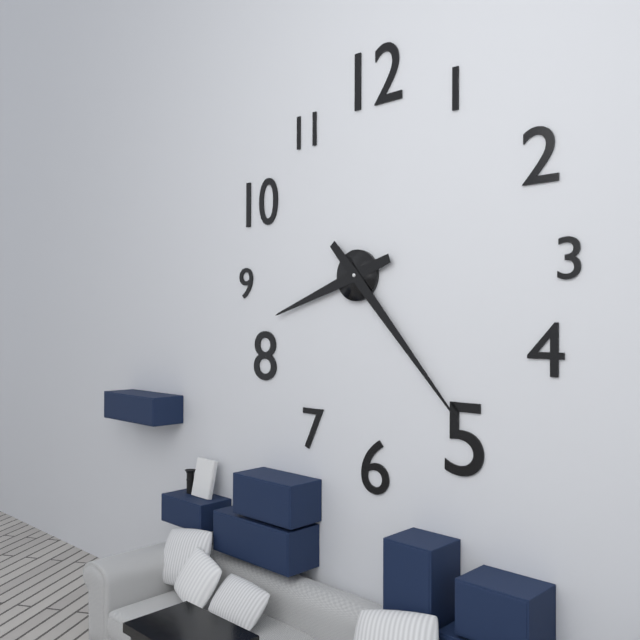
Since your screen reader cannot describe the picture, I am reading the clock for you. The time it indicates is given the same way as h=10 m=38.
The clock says h=8 m=23
